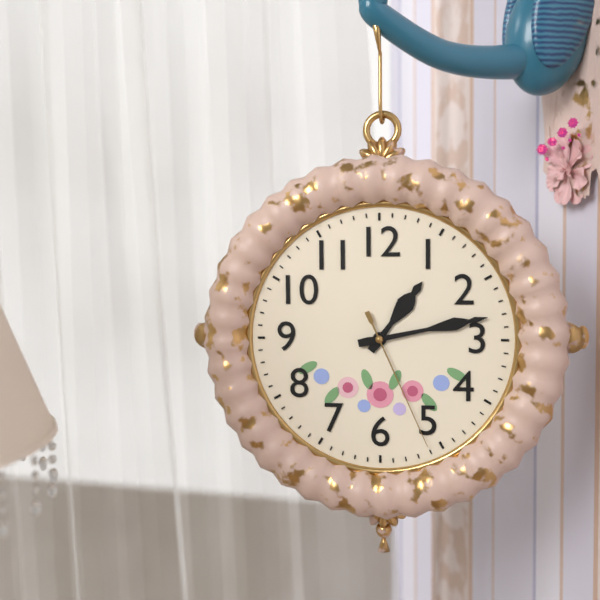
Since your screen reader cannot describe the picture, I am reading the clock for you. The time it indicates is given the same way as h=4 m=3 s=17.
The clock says h=1 m=13 s=26
